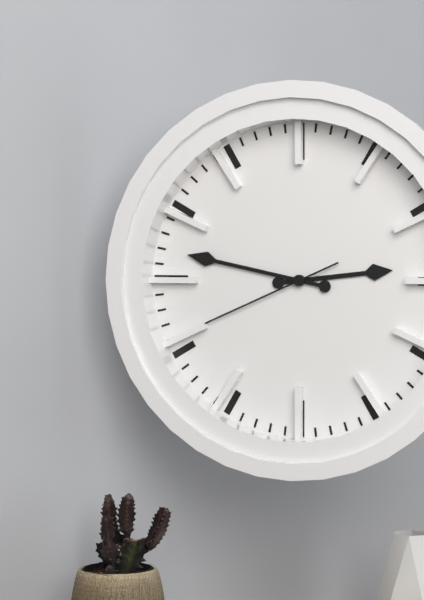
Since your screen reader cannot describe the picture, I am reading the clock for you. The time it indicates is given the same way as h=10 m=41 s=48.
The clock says h=2 m=47 s=41
